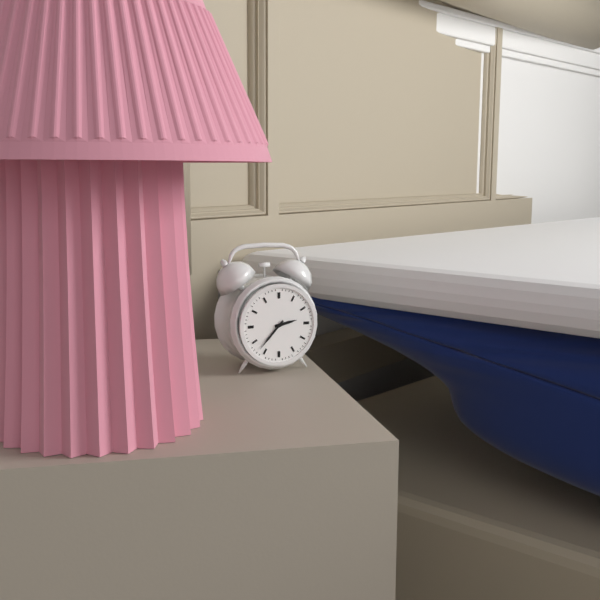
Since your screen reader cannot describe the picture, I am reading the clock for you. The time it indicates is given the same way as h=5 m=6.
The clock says h=2 m=37
